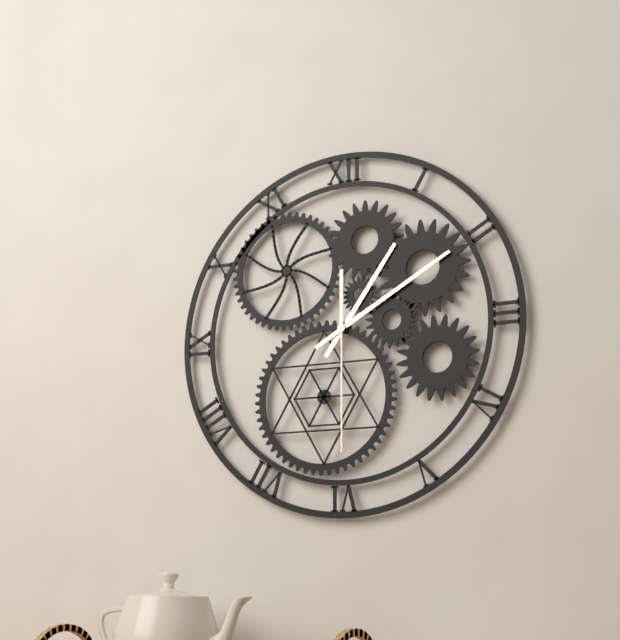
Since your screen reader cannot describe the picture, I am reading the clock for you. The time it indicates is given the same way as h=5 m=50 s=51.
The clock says h=1 m=10 s=30
